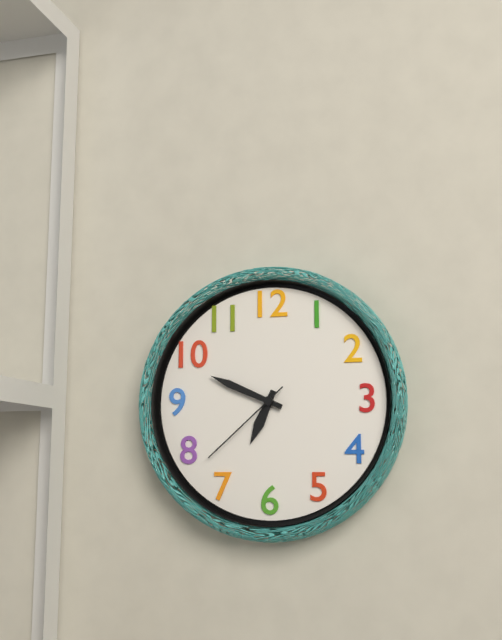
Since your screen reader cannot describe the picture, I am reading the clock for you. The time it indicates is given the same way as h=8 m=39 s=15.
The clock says h=6 m=49 s=38
